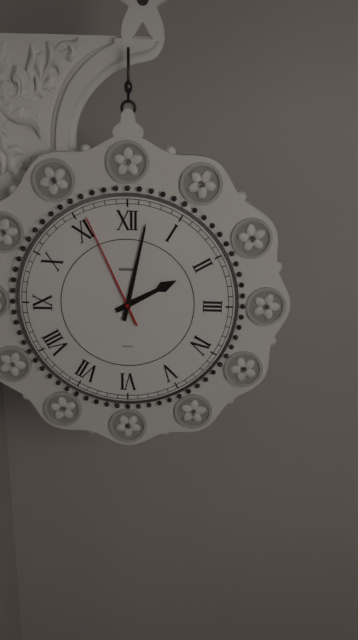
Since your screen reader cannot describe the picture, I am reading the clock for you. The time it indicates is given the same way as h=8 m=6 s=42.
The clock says h=2 m=2 s=56
